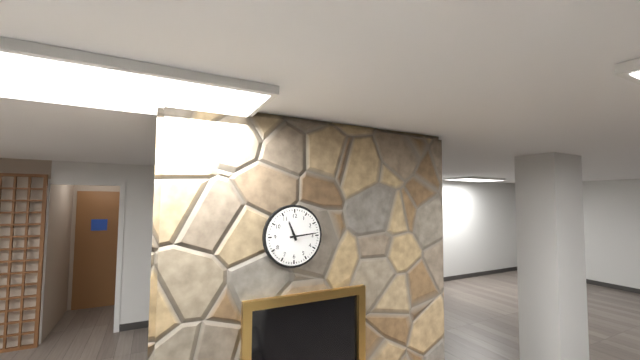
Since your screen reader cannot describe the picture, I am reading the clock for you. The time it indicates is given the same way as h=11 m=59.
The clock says h=11 m=14
